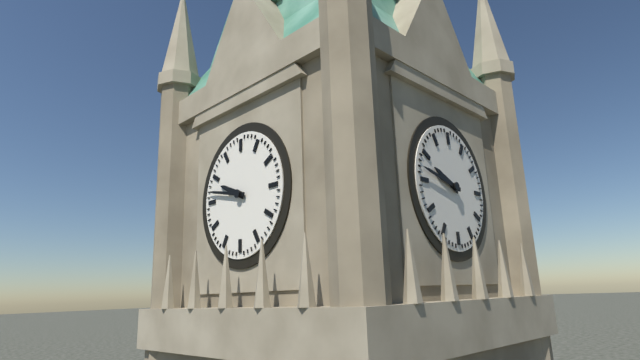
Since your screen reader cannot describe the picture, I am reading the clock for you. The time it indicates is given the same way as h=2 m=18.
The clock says h=9 m=47
